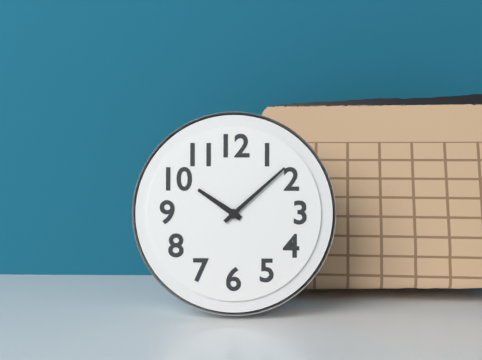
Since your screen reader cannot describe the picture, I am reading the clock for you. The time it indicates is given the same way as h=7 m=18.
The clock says h=10 m=8
